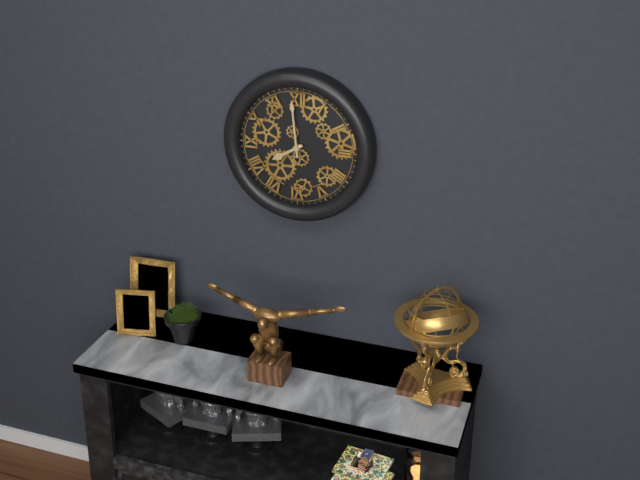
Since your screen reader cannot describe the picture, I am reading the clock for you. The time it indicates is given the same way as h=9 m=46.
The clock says h=7 m=59
